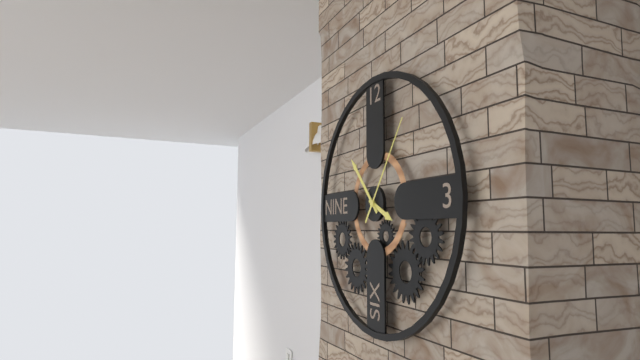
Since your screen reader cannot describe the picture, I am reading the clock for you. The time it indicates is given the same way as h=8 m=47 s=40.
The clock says h=3 m=53 s=6
